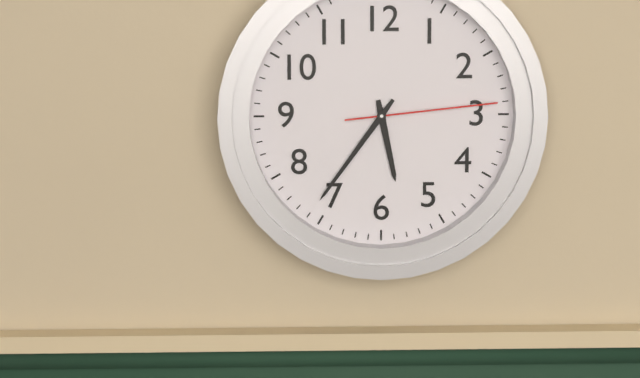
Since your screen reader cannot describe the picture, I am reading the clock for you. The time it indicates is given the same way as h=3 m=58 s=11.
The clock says h=5 m=36 s=14
